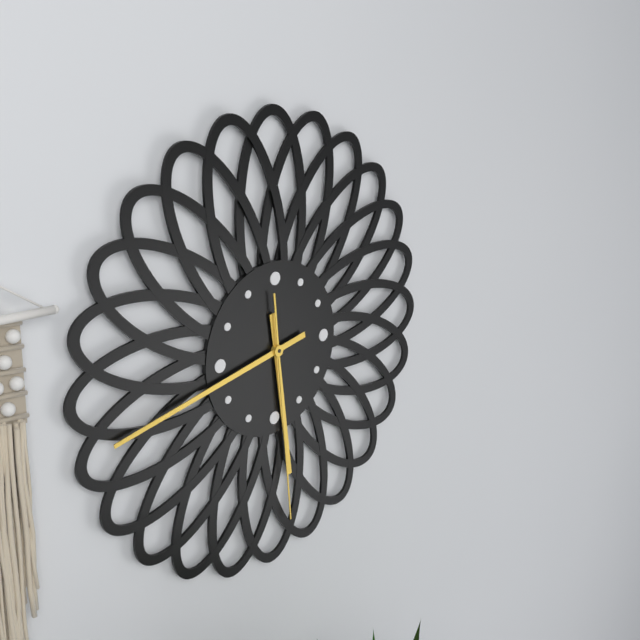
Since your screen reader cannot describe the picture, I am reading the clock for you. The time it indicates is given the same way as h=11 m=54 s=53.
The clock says h=5 m=43 s=29
